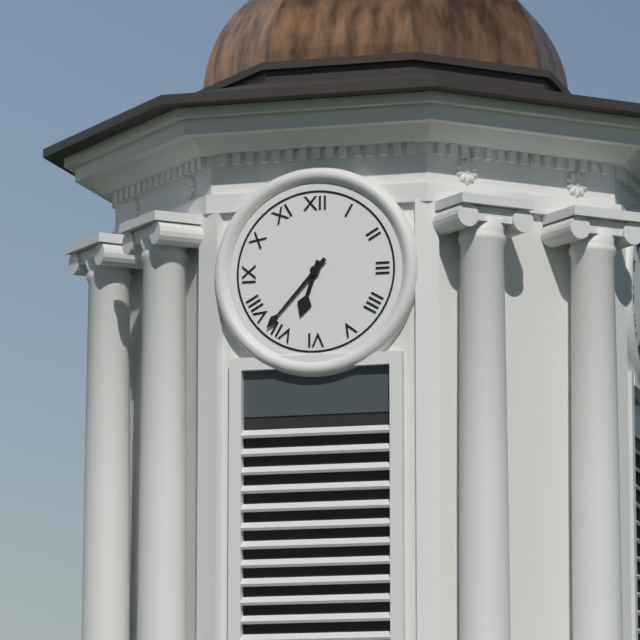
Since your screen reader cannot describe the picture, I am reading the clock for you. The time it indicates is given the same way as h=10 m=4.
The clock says h=6 m=37
